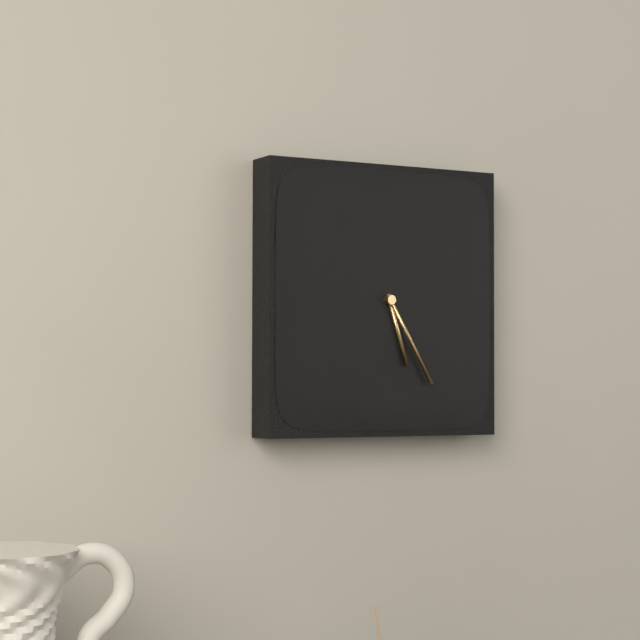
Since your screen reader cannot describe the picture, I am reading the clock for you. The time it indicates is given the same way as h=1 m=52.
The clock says h=5 m=25
